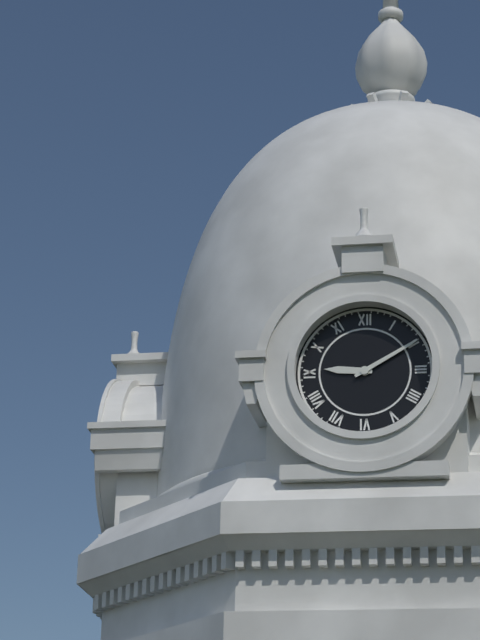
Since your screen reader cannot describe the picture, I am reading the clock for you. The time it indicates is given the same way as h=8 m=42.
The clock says h=9 m=10
